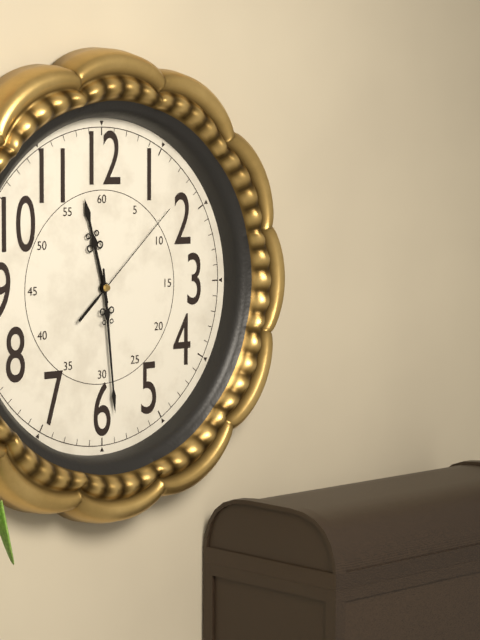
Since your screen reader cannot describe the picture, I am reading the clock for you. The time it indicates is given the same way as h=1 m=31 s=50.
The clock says h=11 m=29 s=8
